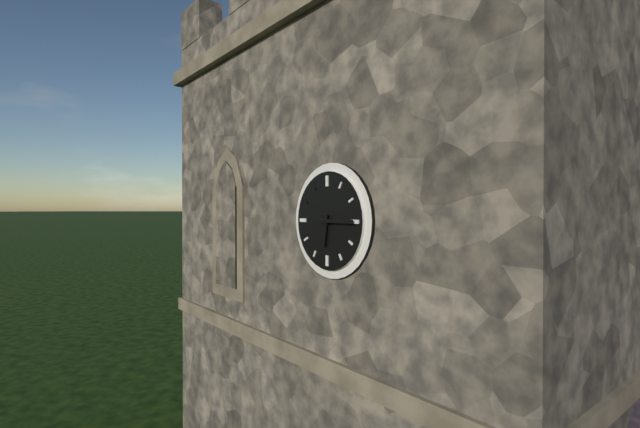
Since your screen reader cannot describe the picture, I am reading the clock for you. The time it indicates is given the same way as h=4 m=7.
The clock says h=6 m=15
